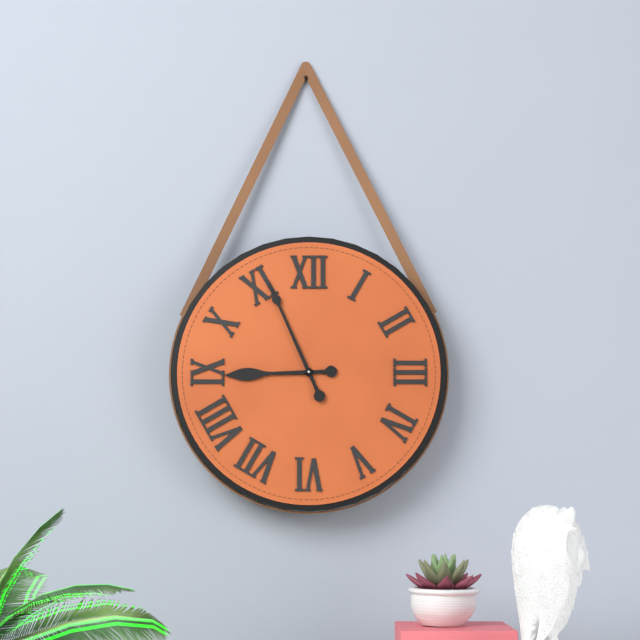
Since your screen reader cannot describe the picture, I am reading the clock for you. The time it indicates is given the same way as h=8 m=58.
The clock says h=8 m=56
